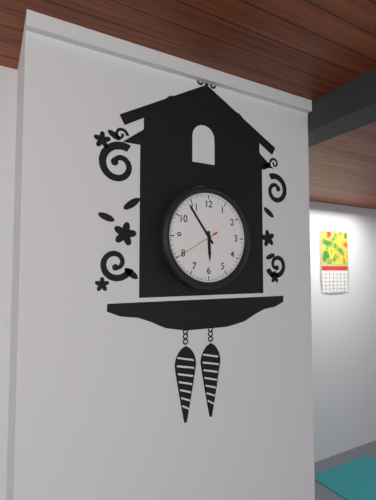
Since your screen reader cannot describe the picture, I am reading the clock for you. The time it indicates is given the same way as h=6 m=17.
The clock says h=5 m=54
